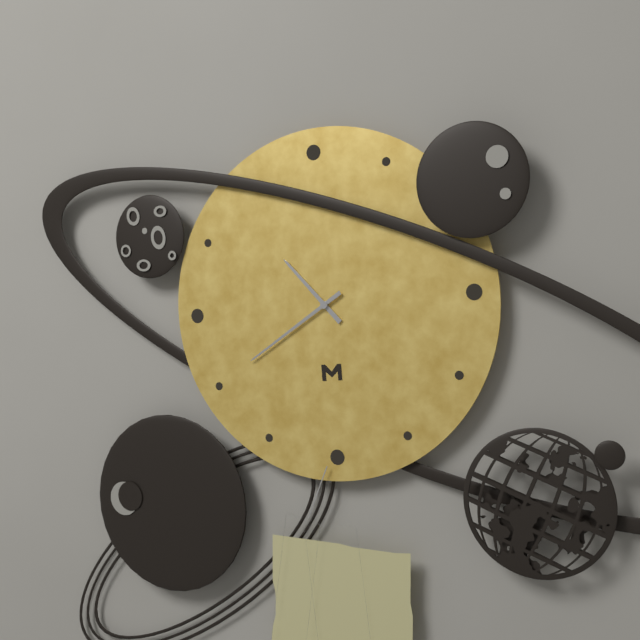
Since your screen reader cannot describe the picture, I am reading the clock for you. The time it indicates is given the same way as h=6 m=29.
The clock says h=10 m=40
